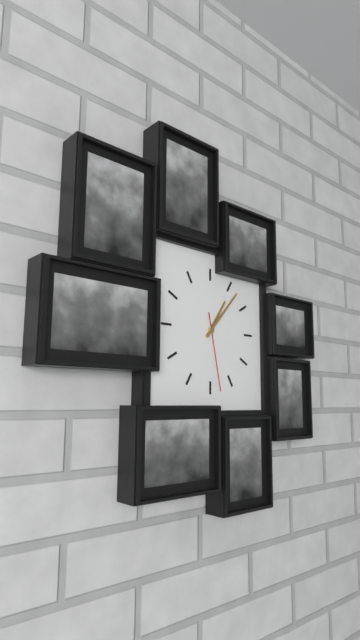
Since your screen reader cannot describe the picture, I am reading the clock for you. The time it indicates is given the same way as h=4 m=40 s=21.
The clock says h=1 m=7 s=28
